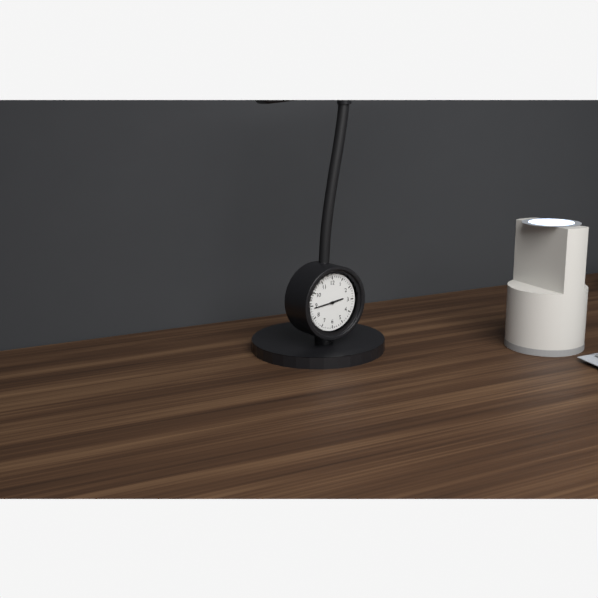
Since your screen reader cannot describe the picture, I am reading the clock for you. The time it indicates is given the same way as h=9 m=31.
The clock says h=2 m=44
